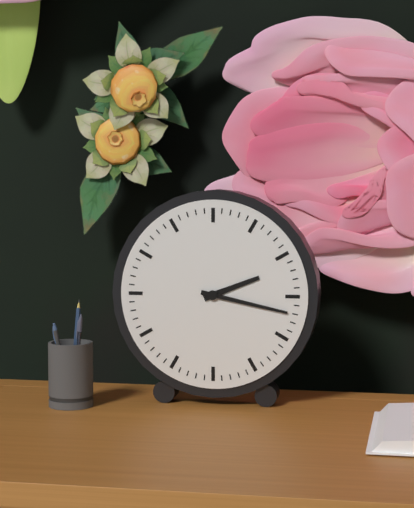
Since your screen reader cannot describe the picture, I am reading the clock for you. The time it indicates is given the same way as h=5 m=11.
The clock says h=2 m=17
